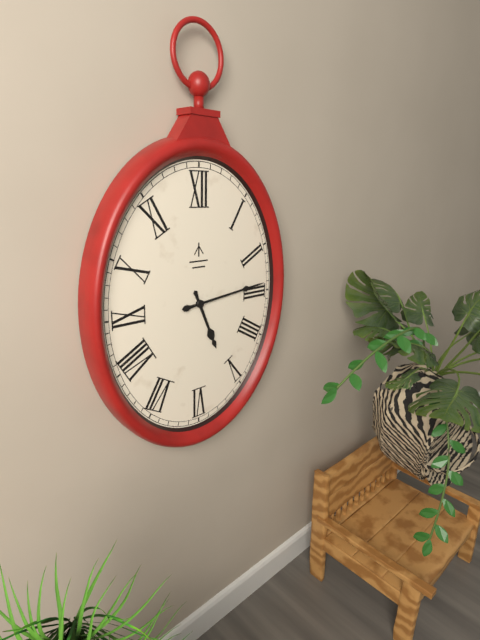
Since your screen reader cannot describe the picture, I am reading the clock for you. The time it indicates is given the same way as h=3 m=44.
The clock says h=5 m=14
